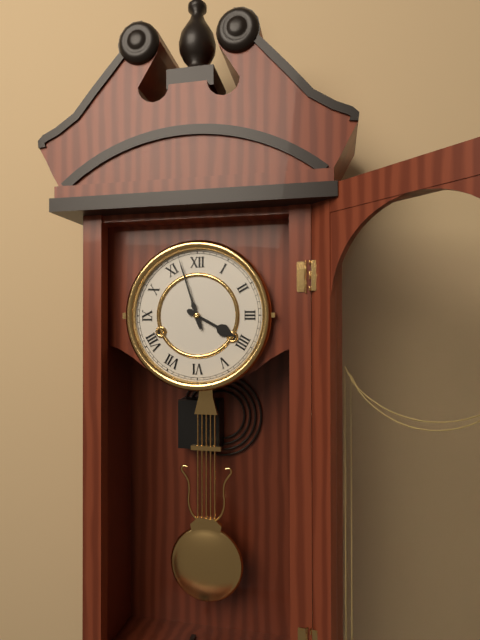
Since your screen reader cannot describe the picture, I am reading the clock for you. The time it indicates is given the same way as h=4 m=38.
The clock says h=3 m=57
